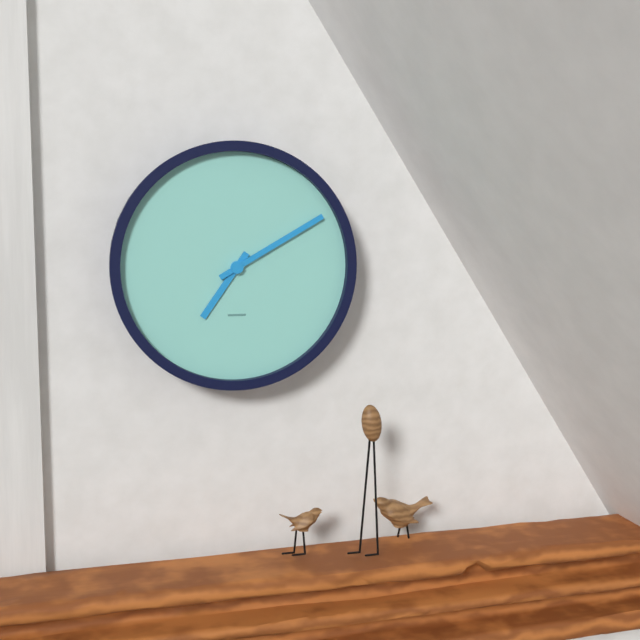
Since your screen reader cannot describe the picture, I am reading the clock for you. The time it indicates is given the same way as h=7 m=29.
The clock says h=7 m=10
